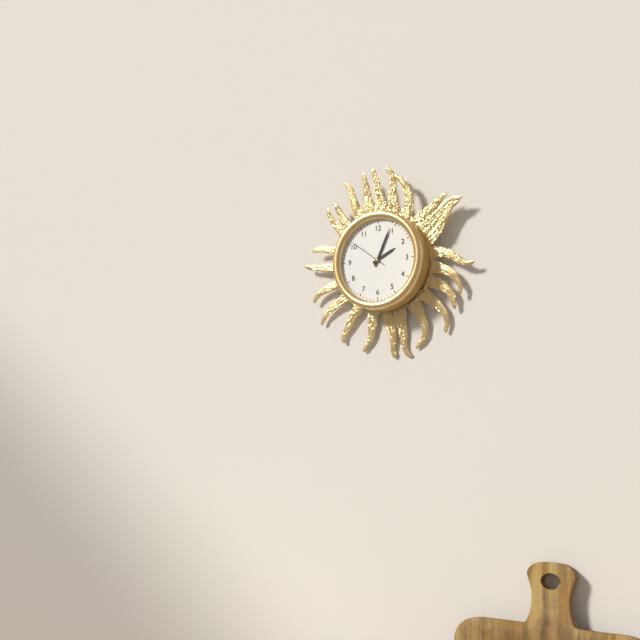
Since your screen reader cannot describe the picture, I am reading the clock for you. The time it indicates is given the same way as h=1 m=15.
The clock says h=2 m=4
